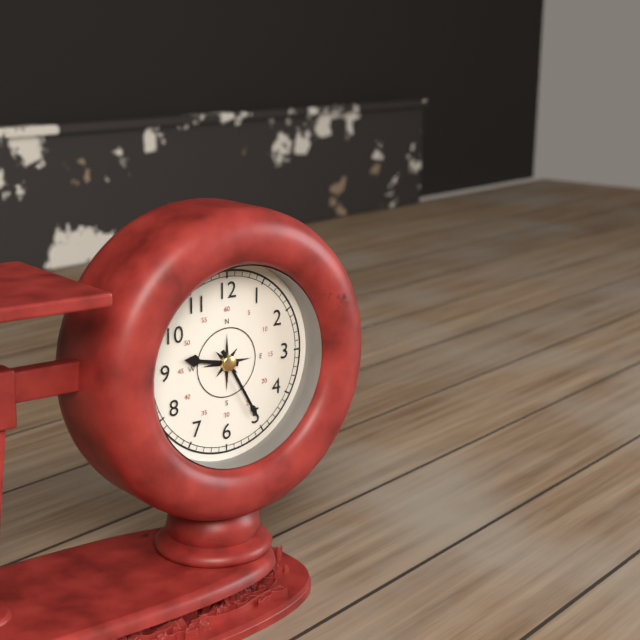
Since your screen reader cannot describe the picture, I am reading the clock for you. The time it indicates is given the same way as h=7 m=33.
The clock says h=9 m=25
